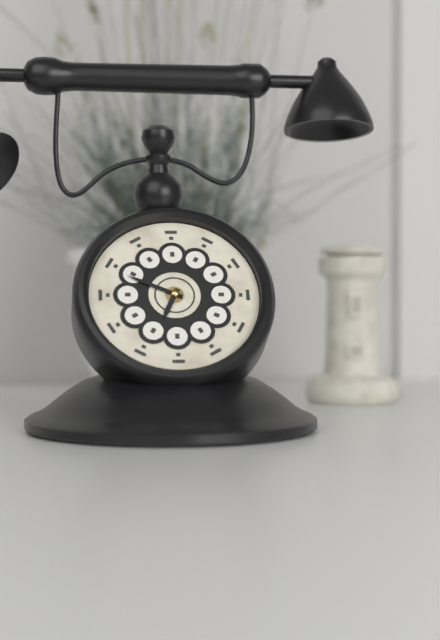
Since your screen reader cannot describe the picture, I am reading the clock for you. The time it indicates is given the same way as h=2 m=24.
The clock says h=6 m=49
